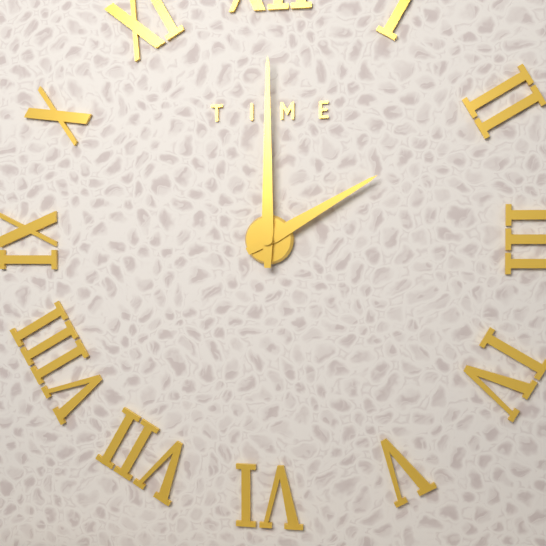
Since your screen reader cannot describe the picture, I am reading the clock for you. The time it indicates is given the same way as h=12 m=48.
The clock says h=2 m=0
